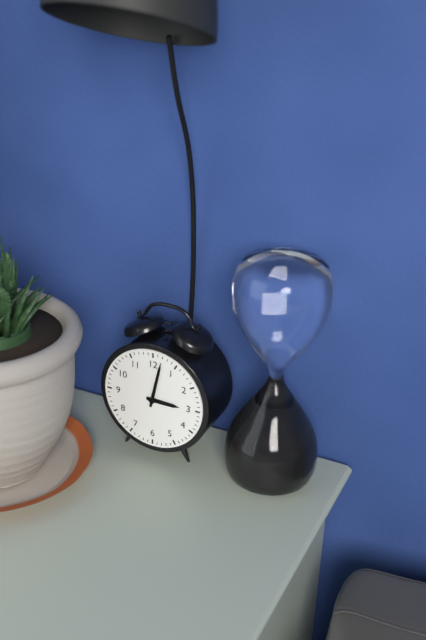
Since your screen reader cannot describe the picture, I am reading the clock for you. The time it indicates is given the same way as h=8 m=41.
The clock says h=3 m=2
